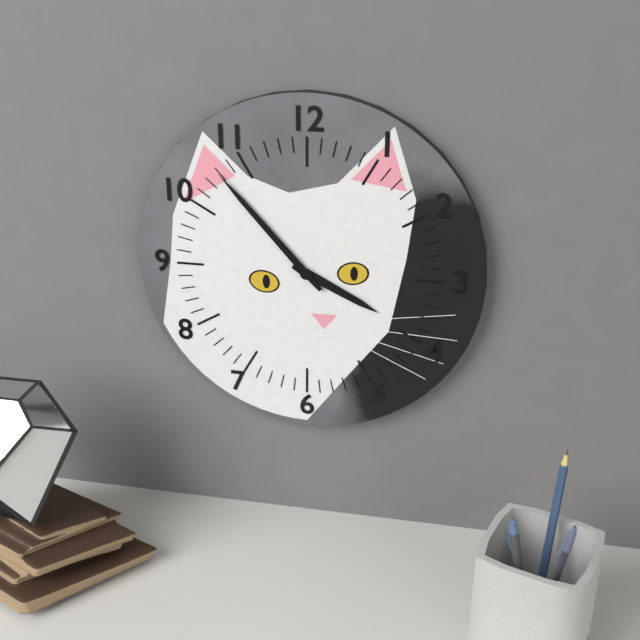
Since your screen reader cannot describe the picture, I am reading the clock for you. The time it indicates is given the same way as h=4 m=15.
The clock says h=3 m=53
